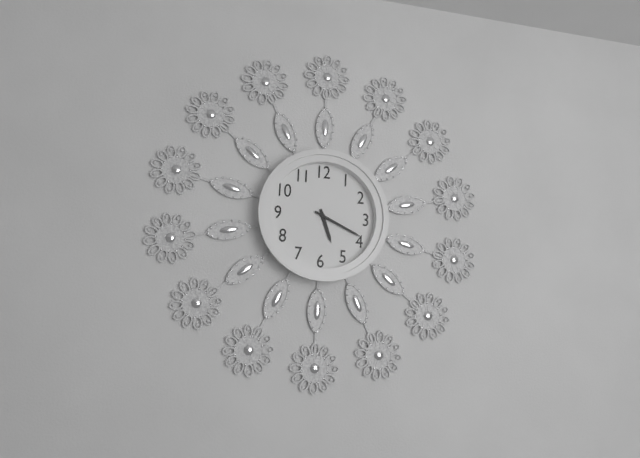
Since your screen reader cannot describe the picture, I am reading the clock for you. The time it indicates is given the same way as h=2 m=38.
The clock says h=5 m=19
